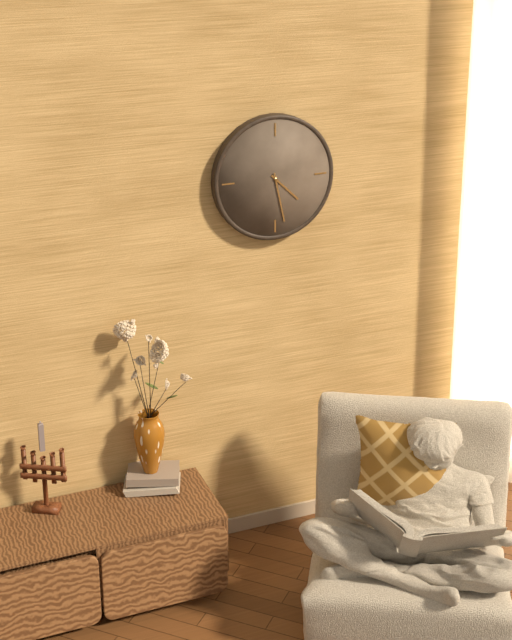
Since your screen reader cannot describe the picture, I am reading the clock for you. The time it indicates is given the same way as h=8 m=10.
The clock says h=4 m=28
